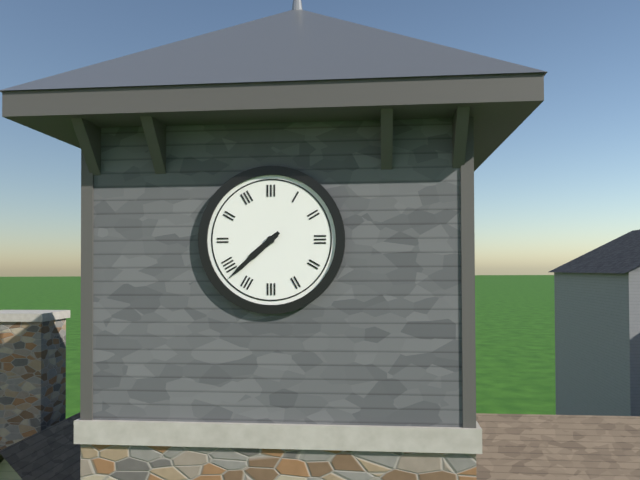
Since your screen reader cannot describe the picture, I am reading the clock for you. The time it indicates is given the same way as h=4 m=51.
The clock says h=7 m=38
